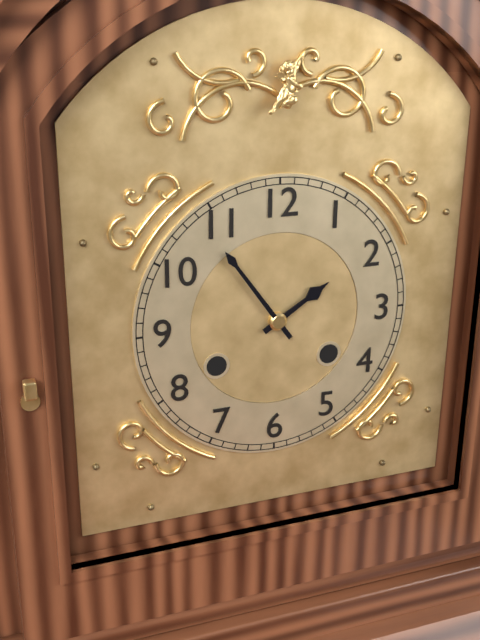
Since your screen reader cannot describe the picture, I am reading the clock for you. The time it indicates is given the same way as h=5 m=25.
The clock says h=1 m=54
